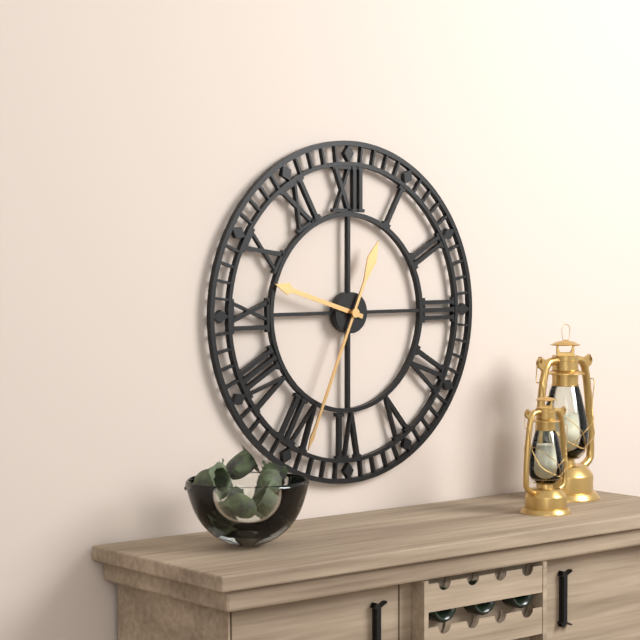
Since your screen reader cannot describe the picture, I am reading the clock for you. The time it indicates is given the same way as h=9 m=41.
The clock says h=9 m=34
